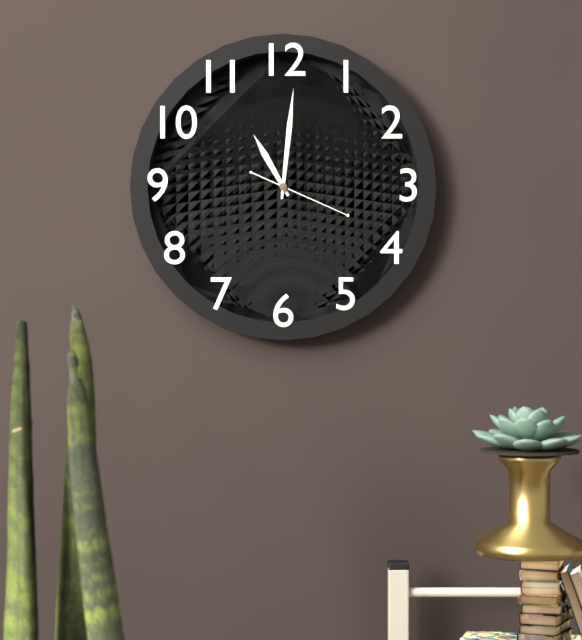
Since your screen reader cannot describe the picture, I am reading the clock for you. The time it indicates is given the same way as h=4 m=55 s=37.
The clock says h=11 m=1 s=19
